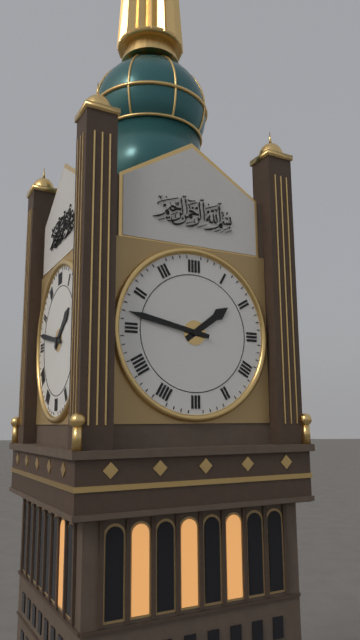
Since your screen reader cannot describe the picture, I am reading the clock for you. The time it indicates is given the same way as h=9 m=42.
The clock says h=1 m=47
